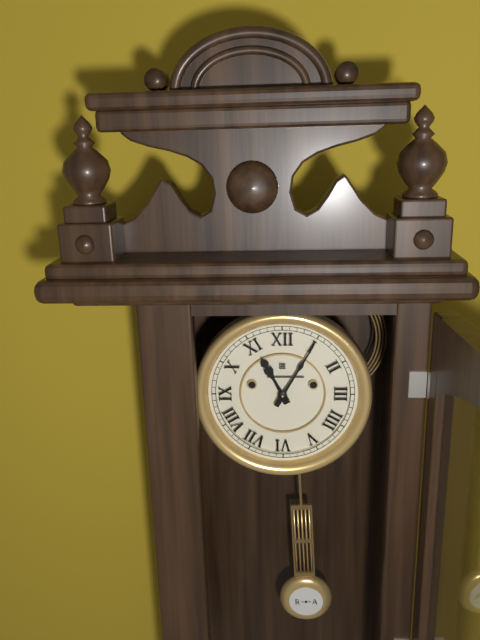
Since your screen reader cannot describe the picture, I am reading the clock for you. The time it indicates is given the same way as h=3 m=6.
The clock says h=11 m=5
